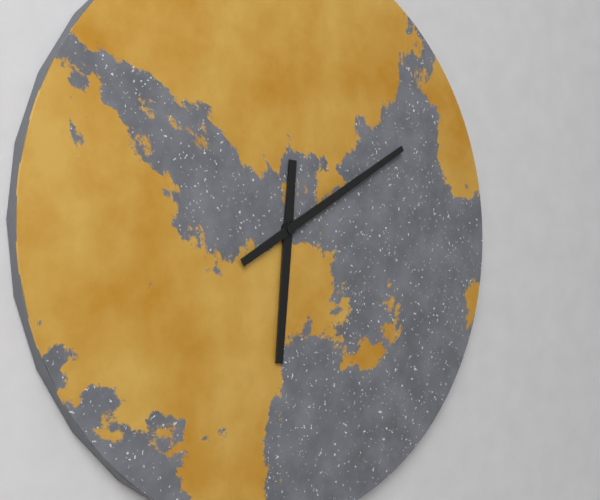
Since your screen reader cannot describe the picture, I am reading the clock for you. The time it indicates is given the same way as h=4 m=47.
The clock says h=6 m=10
